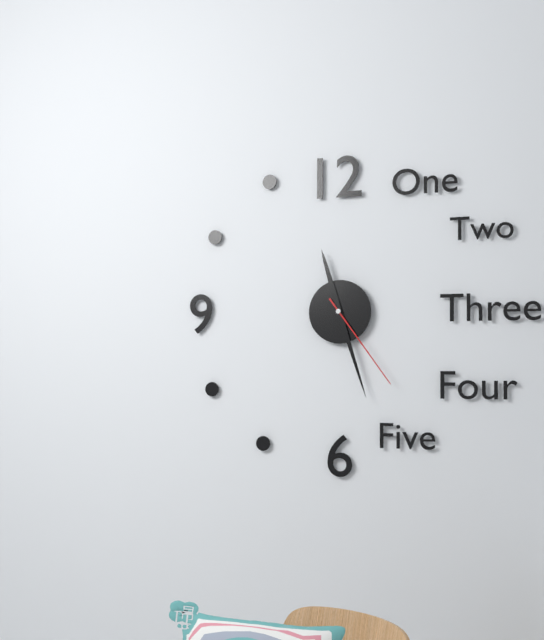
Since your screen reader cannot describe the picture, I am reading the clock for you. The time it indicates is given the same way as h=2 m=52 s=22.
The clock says h=11 m=27 s=24
